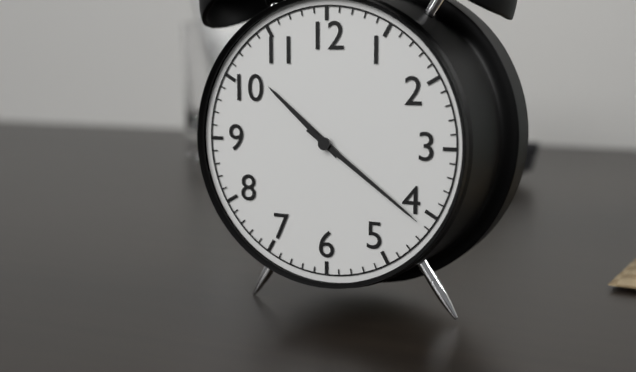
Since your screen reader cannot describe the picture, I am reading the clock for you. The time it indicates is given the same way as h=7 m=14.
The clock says h=10 m=21
